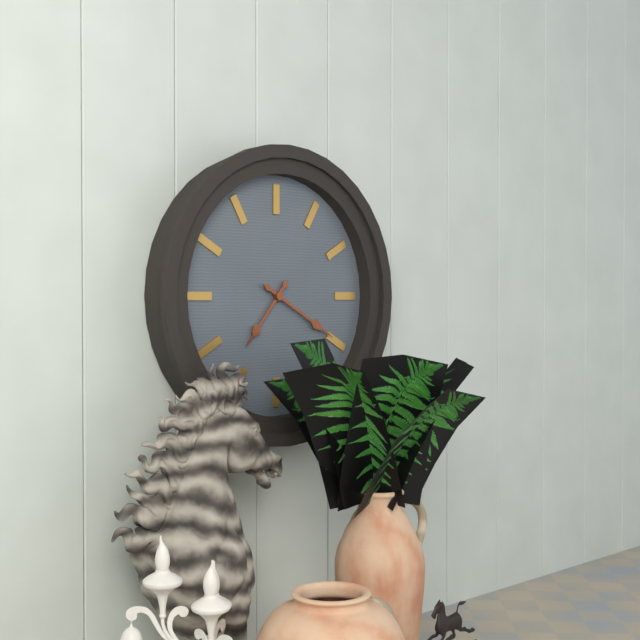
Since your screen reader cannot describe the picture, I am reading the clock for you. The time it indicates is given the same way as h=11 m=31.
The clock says h=7 m=20
